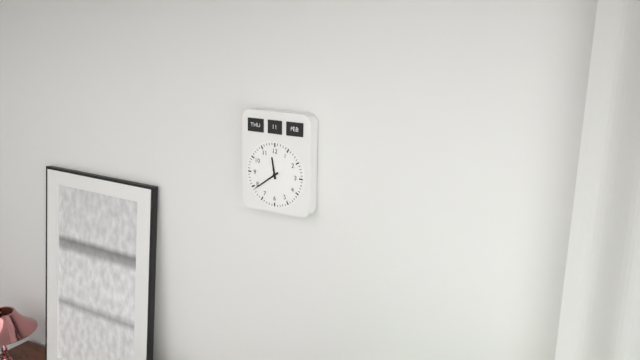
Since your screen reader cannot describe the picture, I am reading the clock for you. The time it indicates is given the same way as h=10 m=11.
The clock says h=11 m=39
